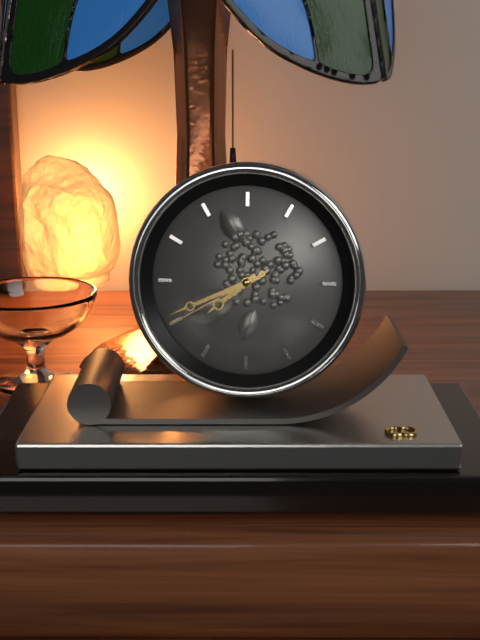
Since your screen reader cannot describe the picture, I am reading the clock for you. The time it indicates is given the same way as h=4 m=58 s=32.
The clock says h=7 m=41 s=40
